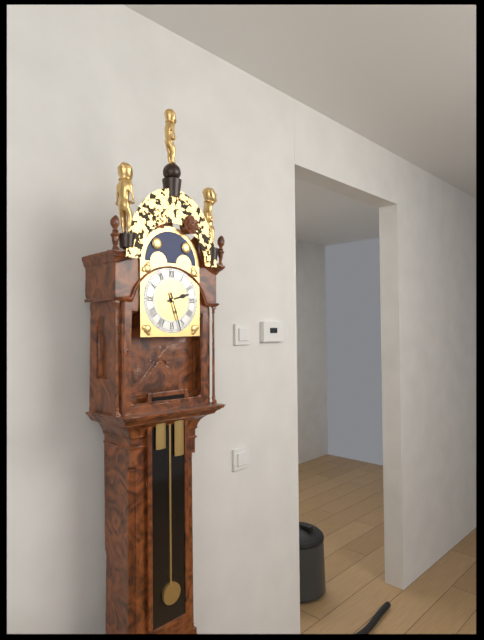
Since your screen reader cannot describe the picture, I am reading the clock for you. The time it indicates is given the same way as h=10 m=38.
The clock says h=2 m=27
